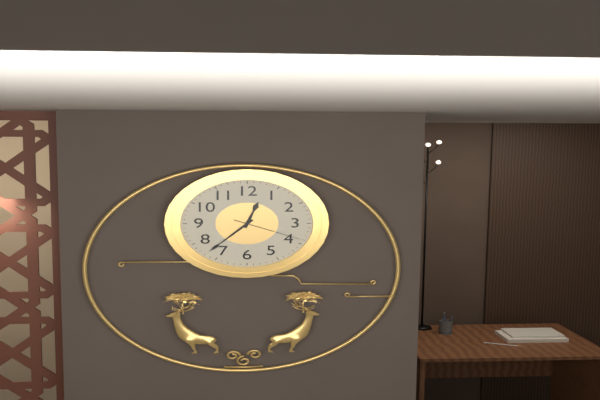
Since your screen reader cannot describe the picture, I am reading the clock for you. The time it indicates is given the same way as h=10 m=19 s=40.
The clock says h=12 m=37 s=19
